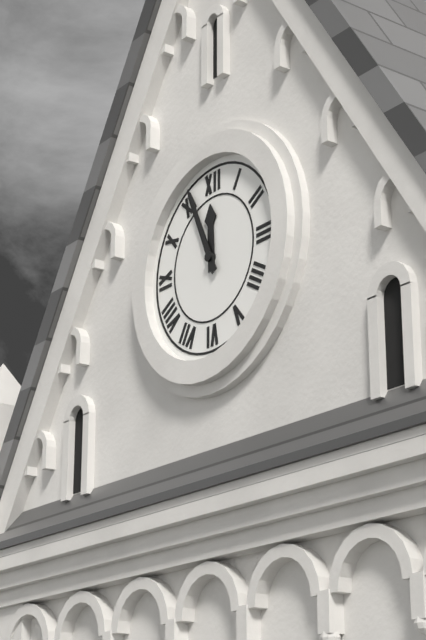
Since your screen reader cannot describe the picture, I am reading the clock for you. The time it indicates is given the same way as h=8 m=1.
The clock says h=11 m=56
